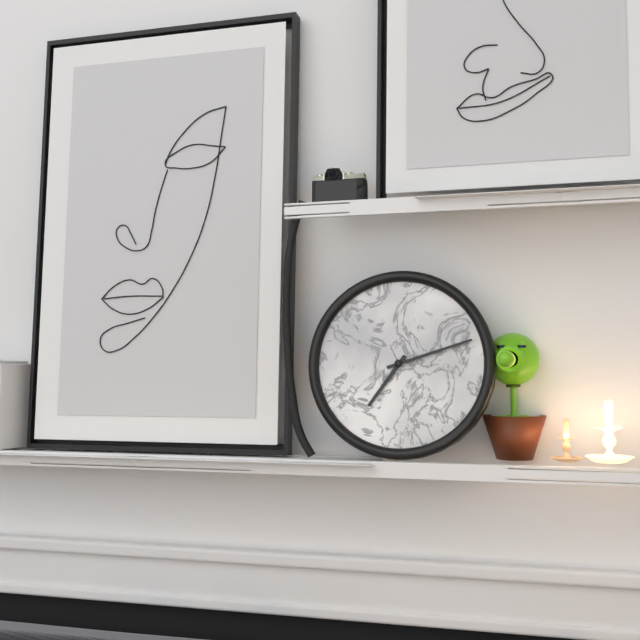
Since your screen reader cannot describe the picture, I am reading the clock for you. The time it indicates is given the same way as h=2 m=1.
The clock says h=7 m=12
